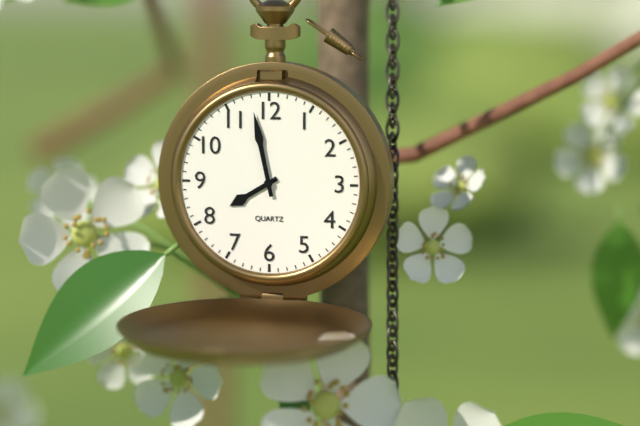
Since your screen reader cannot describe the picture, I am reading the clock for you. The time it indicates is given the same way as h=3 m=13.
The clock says h=7 m=58
